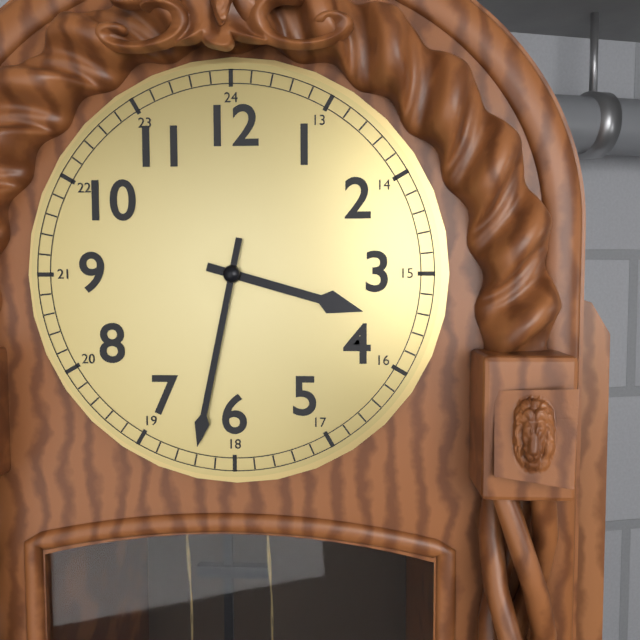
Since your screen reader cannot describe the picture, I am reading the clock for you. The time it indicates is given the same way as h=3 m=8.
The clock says h=3 m=32
